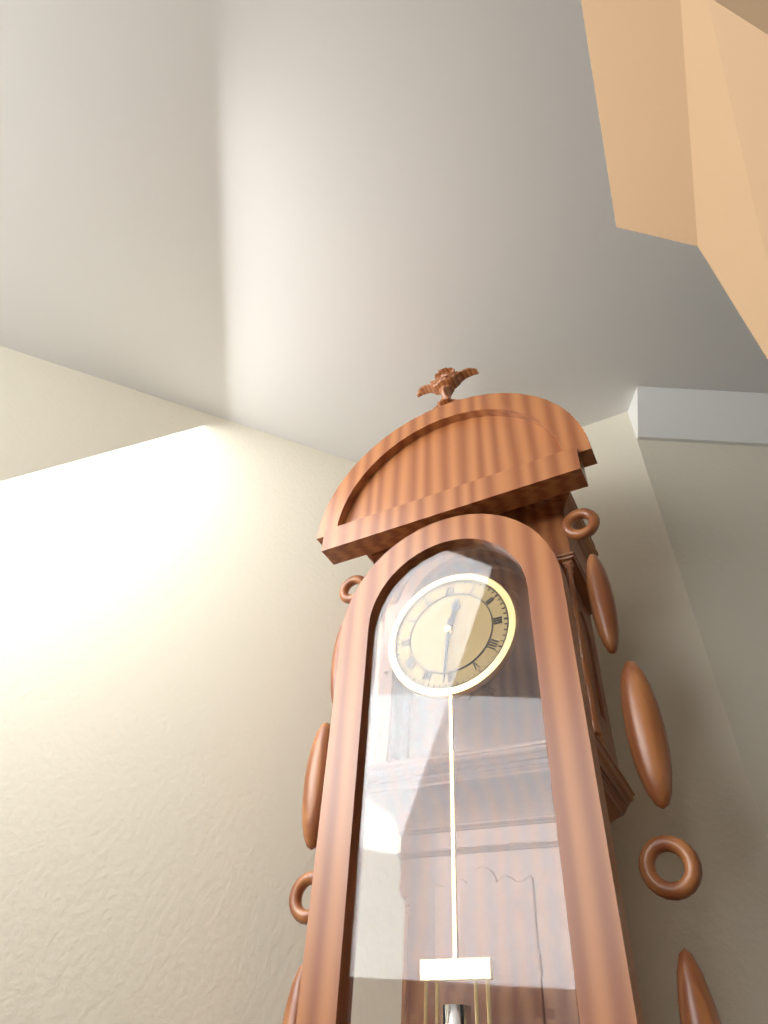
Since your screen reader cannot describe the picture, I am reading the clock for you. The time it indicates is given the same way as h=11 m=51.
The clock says h=12 m=31
